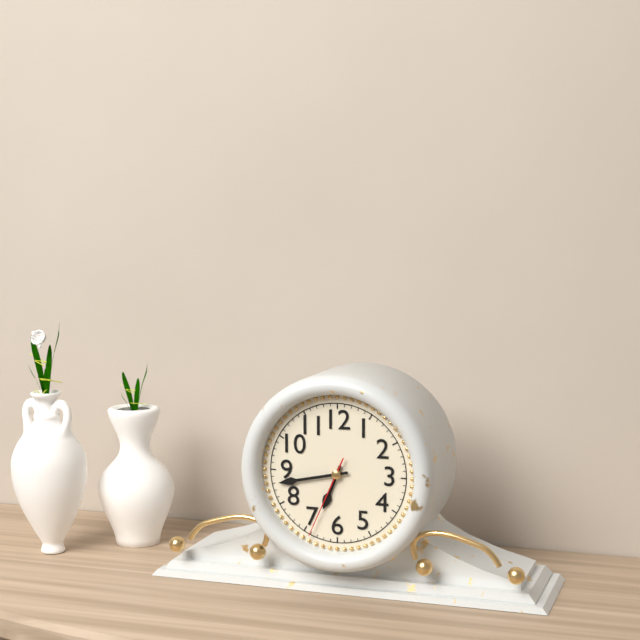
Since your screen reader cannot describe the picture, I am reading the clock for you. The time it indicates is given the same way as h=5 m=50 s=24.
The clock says h=6 m=43 s=34
